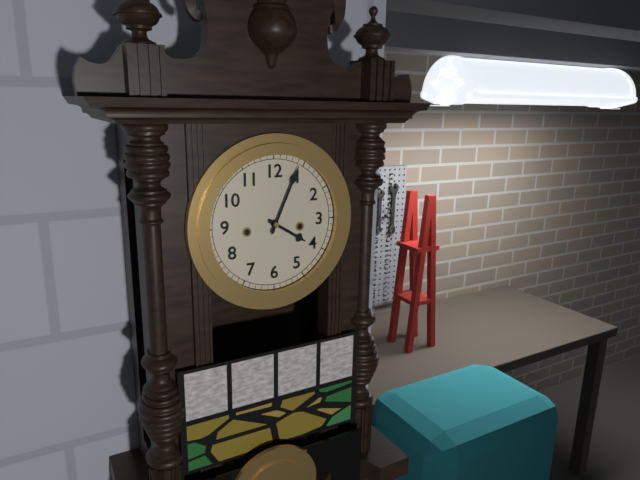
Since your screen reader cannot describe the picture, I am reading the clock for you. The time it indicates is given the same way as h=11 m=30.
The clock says h=4 m=4
